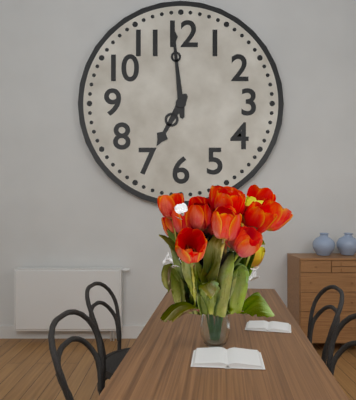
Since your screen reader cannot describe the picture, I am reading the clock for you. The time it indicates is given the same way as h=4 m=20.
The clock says h=6 m=59
